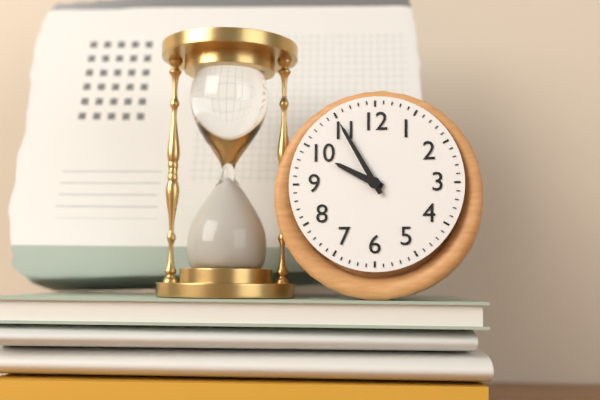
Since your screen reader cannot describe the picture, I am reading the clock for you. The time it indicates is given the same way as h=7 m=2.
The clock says h=9 m=55
